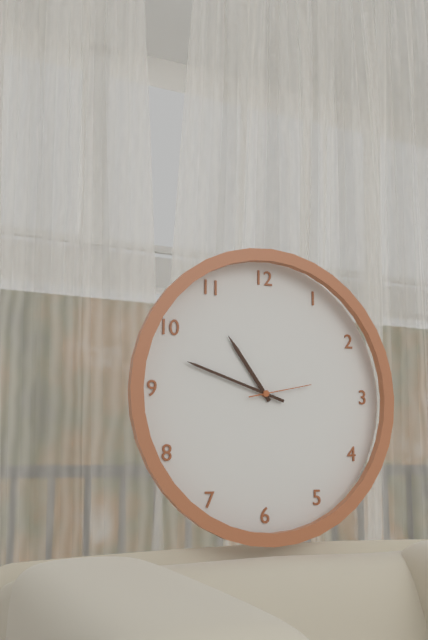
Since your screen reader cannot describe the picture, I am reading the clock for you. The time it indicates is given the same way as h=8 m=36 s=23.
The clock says h=10 m=48 s=13
